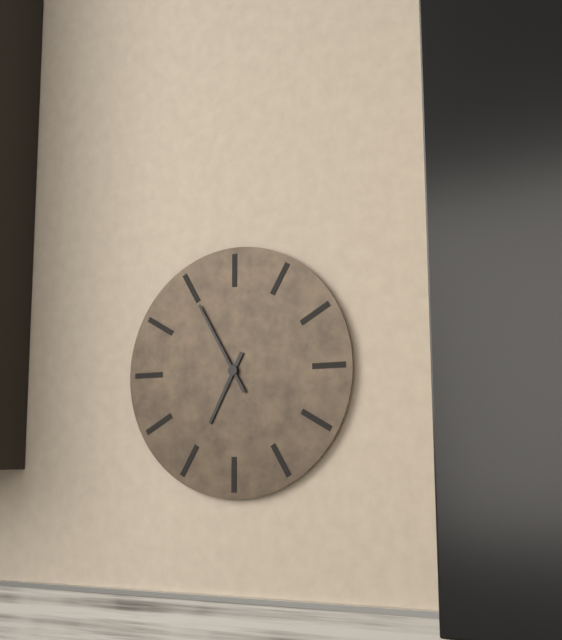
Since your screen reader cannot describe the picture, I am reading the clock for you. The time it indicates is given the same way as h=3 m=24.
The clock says h=6 m=55
